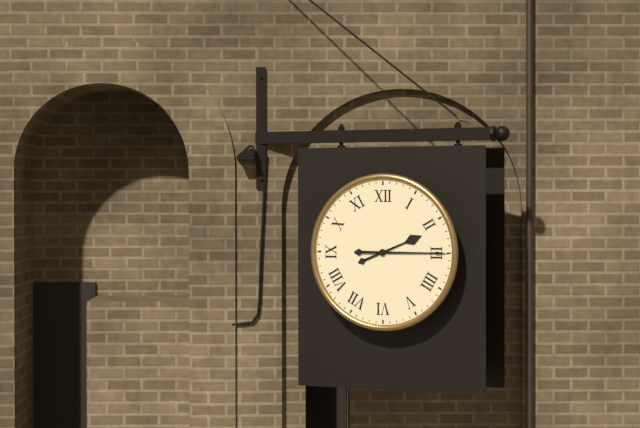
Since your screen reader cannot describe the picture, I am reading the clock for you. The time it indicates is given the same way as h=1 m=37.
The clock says h=2 m=15
